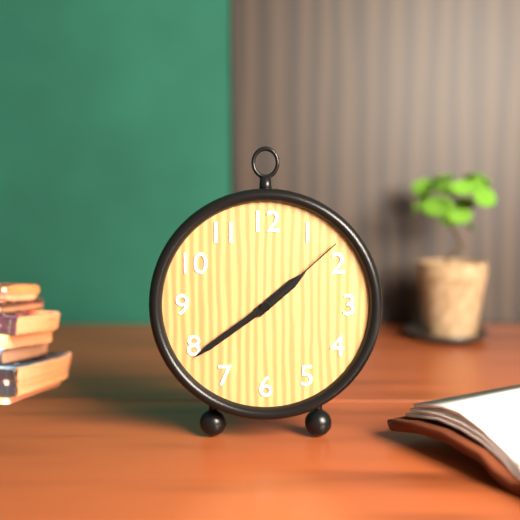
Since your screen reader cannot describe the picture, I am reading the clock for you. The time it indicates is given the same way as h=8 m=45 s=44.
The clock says h=1 m=39 s=8
